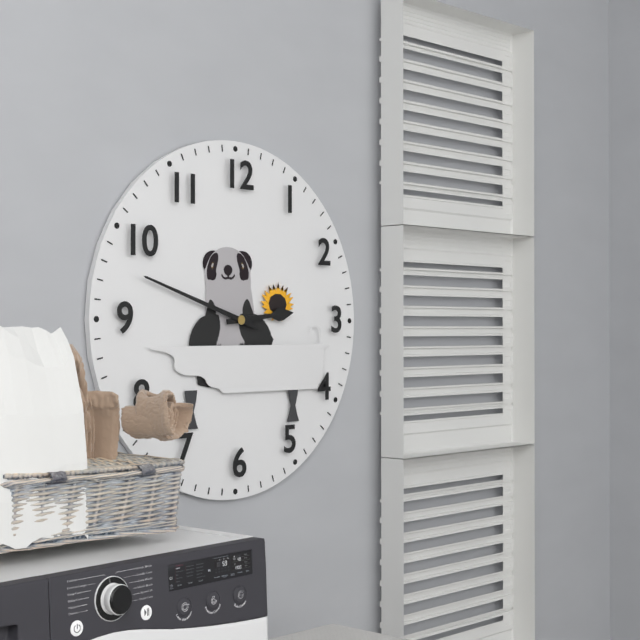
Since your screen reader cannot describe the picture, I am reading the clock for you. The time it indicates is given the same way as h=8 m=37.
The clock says h=2 m=48
